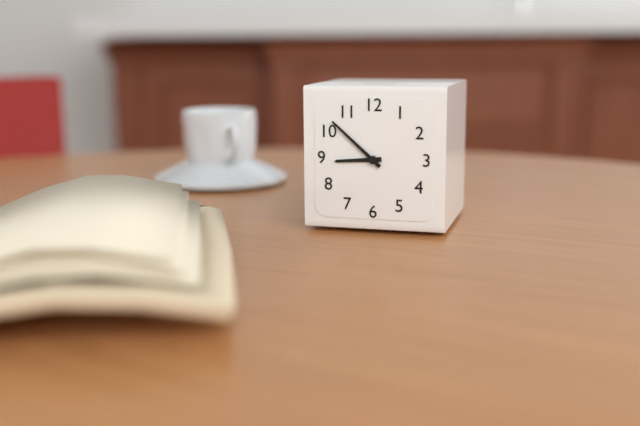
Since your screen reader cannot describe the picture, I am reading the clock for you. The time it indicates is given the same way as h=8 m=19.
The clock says h=8 m=52
